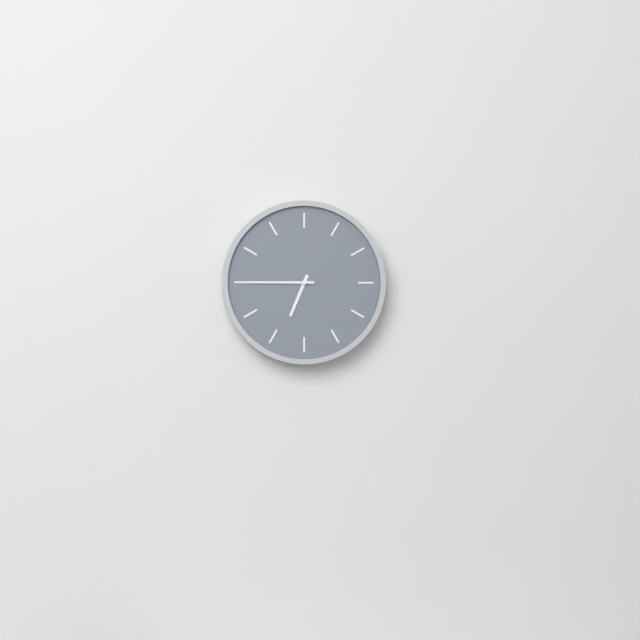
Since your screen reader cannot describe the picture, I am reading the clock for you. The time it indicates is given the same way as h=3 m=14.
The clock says h=6 m=45
